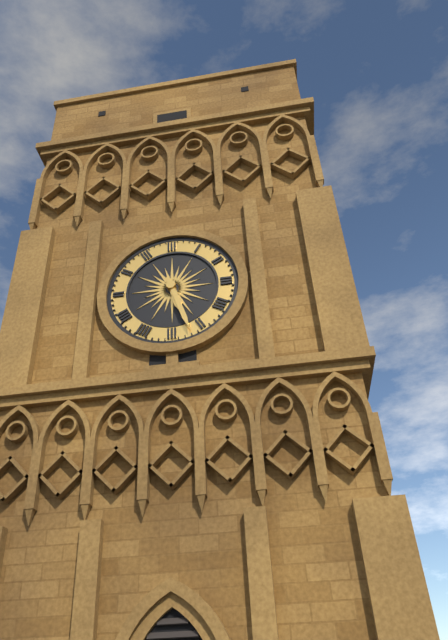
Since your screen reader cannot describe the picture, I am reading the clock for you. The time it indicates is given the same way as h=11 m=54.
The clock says h=5 m=27
